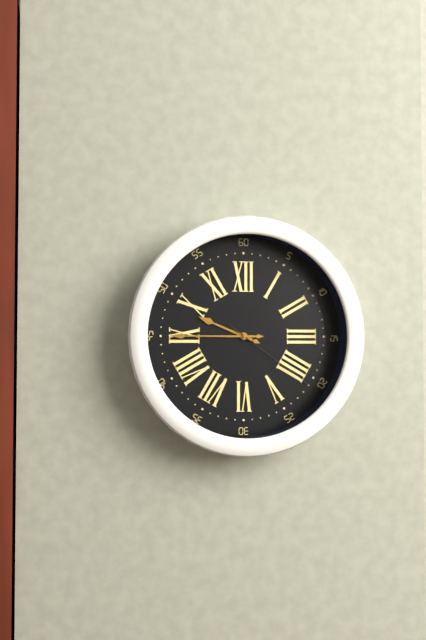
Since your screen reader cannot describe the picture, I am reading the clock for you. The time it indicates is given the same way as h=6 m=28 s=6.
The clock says h=9 m=45 s=21
